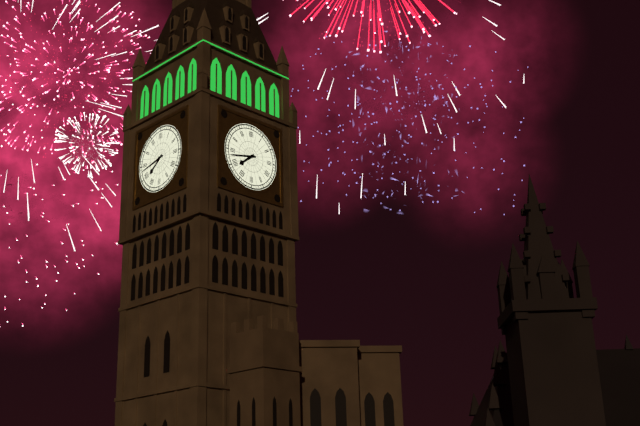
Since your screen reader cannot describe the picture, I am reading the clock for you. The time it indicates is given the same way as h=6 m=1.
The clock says h=7 m=43
